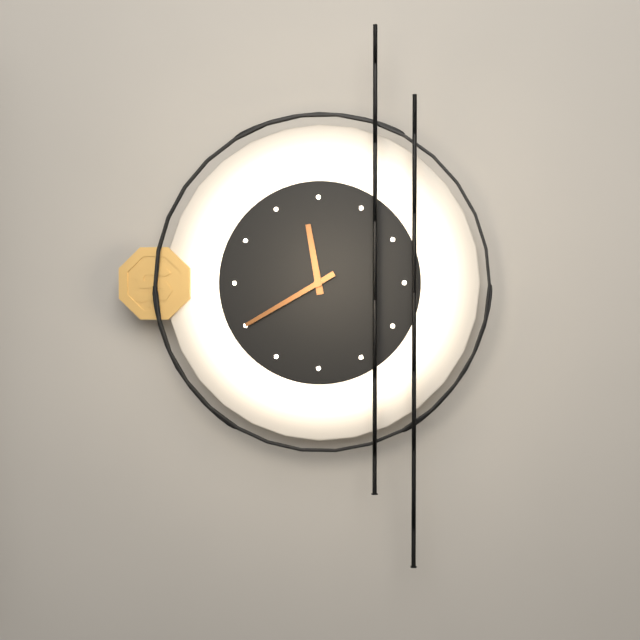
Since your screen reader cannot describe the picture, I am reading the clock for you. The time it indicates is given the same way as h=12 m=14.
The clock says h=11 m=40
